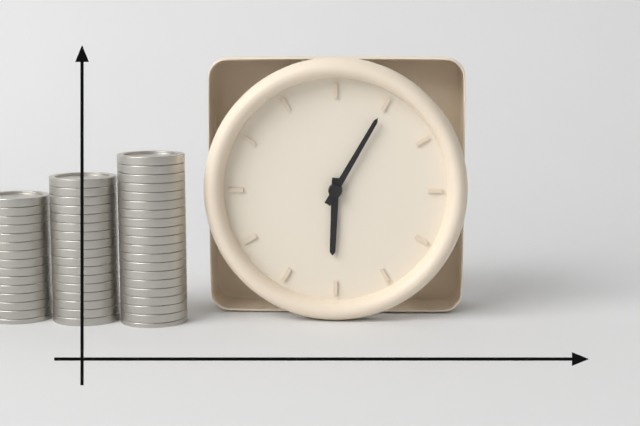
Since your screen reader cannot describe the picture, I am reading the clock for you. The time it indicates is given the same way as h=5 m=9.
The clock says h=6 m=5
